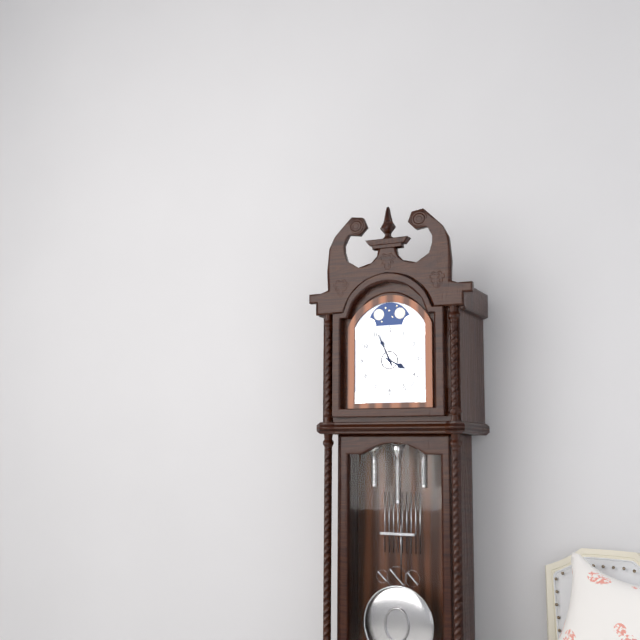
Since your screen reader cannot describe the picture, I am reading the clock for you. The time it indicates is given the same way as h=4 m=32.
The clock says h=3 m=56
